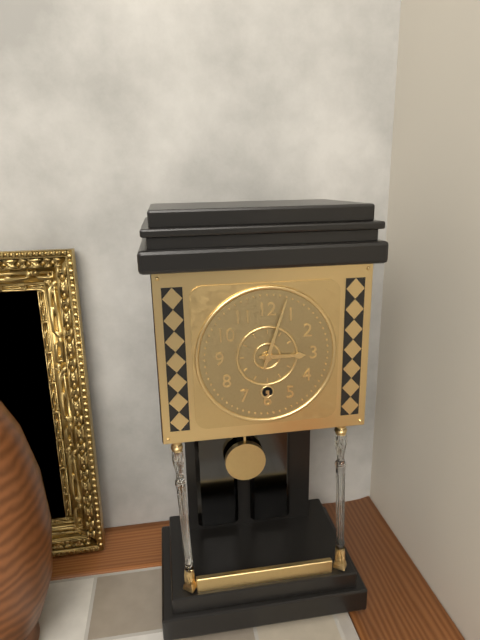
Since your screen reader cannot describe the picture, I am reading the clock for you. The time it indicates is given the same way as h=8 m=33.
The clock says h=3 m=3
